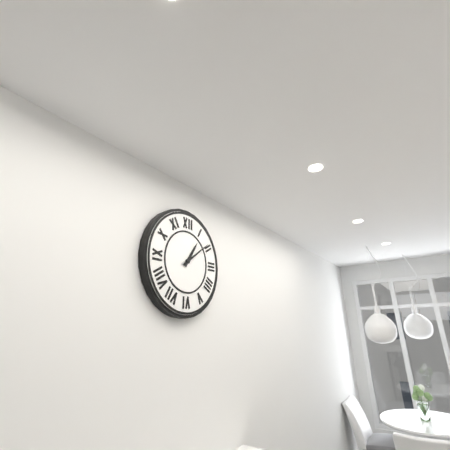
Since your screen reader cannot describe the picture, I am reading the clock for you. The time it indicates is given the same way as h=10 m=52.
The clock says h=1 m=9
